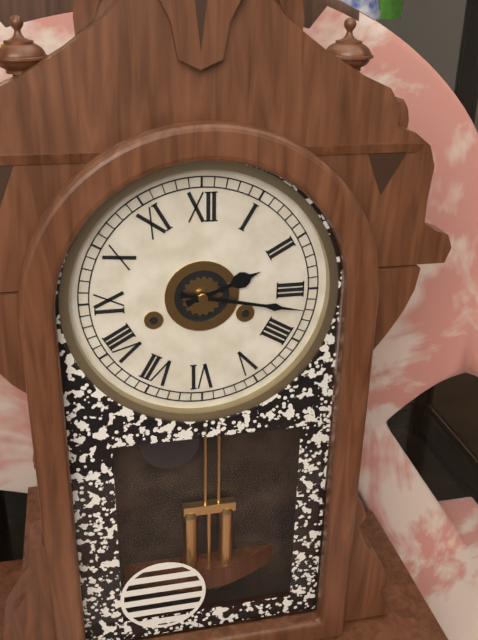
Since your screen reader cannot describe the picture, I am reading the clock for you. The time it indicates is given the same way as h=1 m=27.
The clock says h=2 m=17
